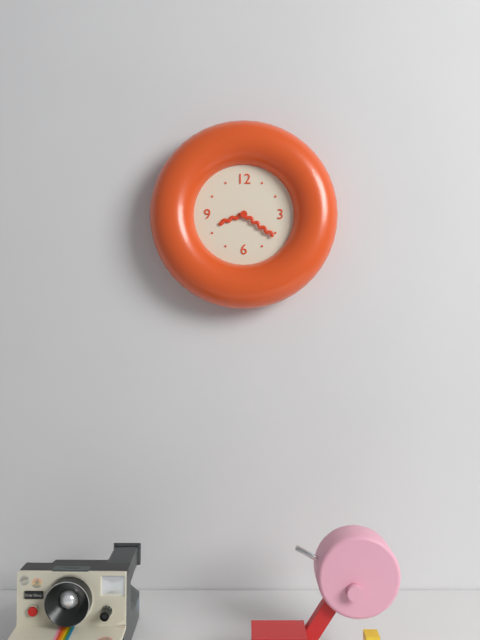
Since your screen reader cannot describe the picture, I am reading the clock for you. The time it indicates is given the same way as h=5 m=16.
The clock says h=8 m=21
